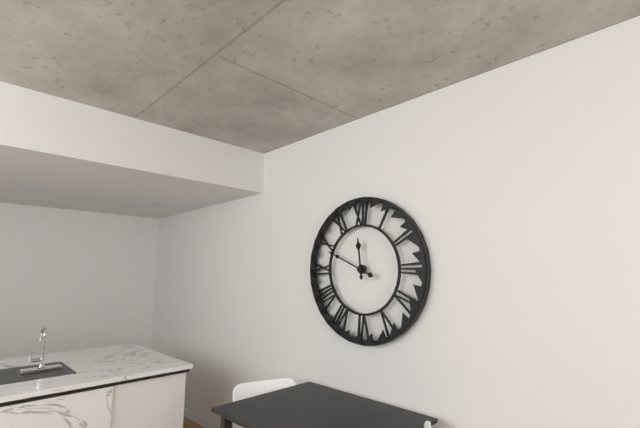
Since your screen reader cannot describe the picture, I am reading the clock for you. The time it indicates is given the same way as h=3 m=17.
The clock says h=11 m=49
